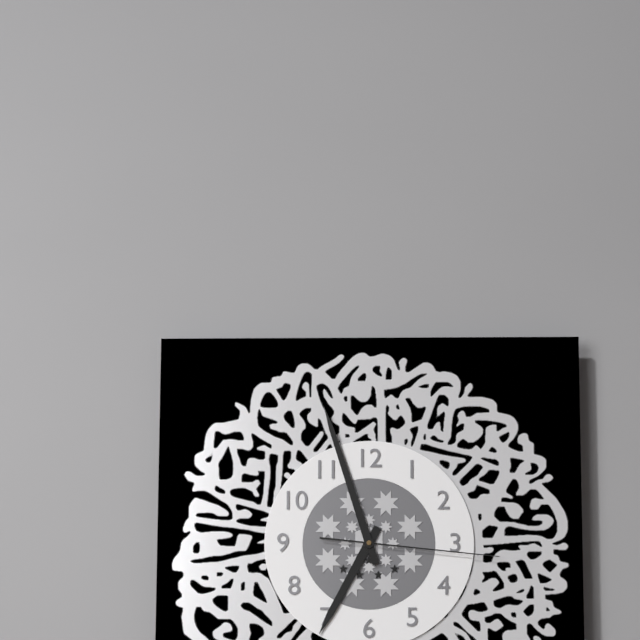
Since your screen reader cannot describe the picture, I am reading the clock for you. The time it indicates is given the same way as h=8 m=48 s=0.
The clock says h=6 m=57 s=16
